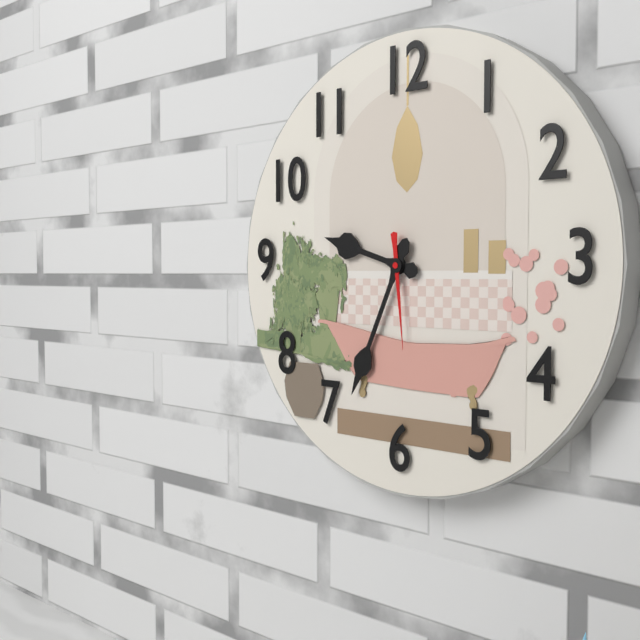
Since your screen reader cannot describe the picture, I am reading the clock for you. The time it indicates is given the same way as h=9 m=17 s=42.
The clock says h=9 m=34 s=29
